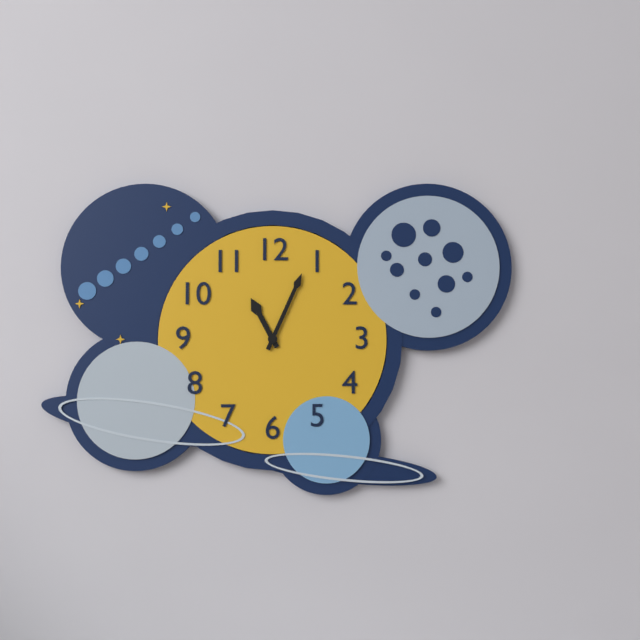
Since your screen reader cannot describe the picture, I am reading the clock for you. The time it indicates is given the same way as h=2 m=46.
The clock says h=11 m=4
